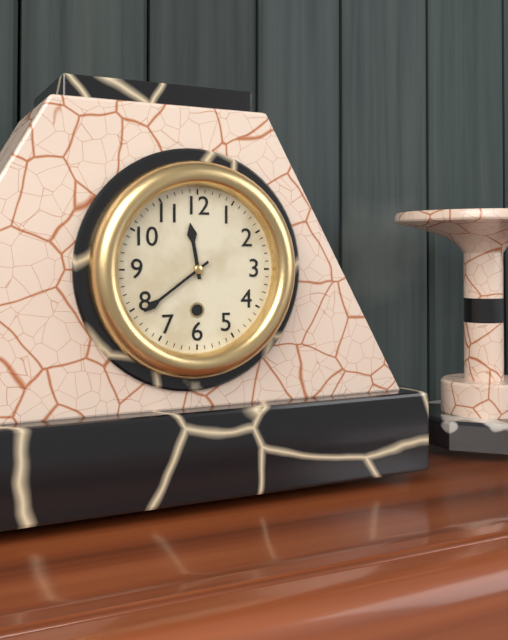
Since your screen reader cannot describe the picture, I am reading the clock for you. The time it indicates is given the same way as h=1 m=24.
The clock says h=11 m=39
